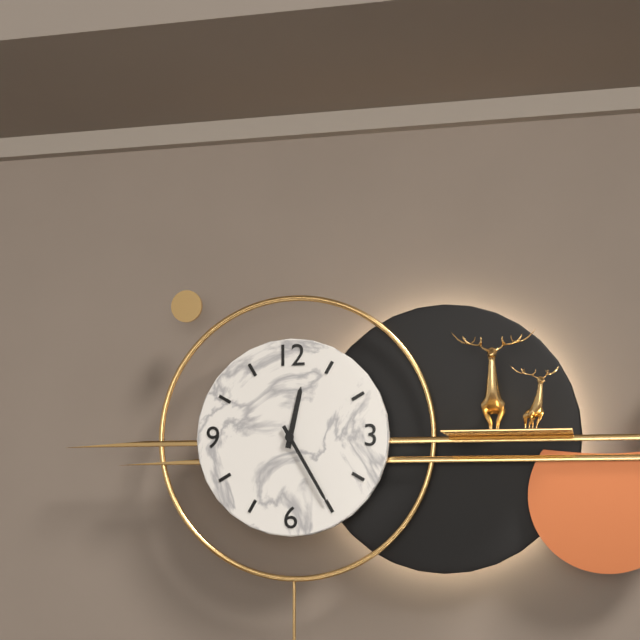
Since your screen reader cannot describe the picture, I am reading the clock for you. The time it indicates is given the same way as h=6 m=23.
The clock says h=12 m=25
